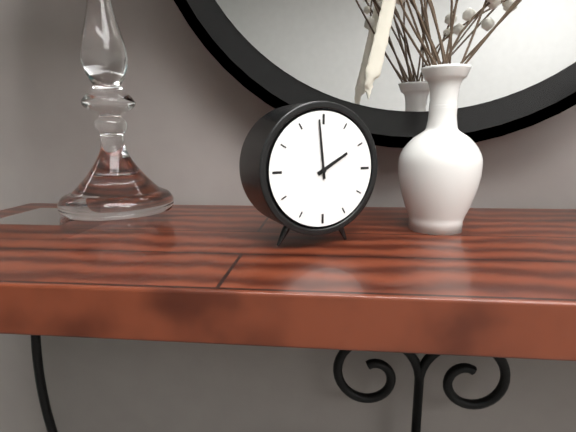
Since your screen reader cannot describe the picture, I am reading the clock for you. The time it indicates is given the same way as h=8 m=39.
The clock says h=1 m=59
